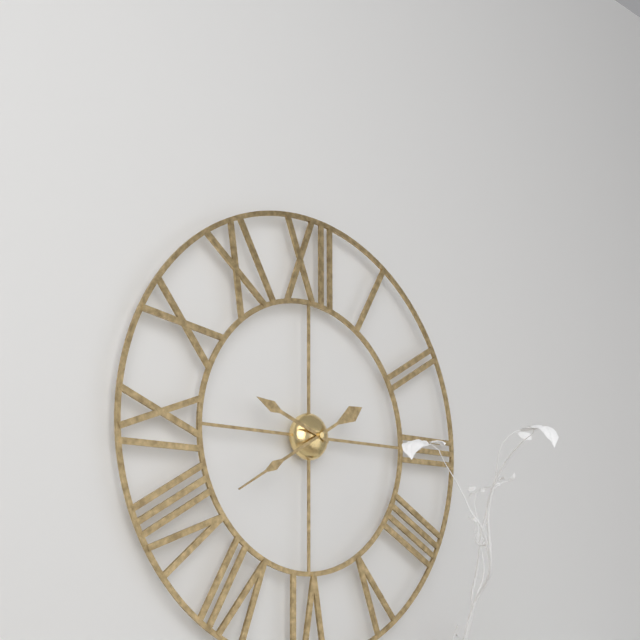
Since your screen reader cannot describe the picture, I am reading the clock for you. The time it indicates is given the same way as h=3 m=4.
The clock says h=9 m=40
